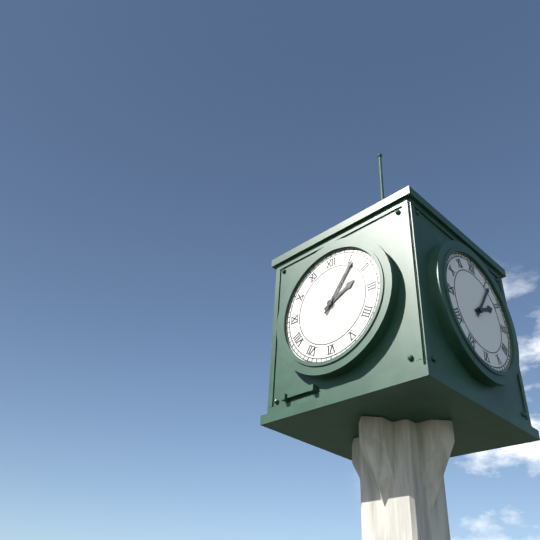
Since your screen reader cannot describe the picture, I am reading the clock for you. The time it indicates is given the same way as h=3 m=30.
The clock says h=2 m=6
